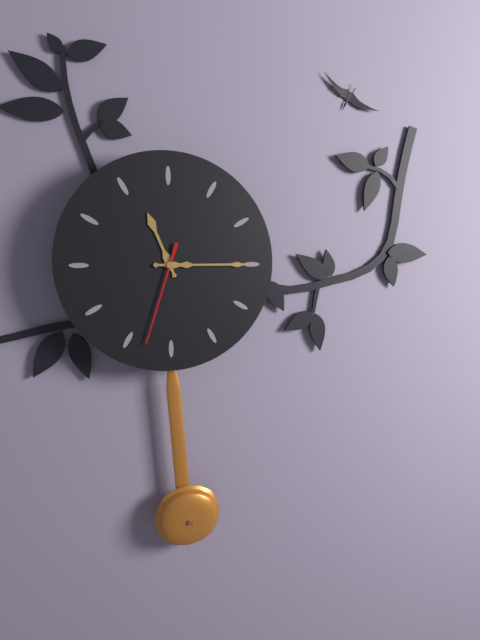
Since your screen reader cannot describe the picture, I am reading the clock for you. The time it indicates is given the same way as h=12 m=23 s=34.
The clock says h=11 m=15 s=33
